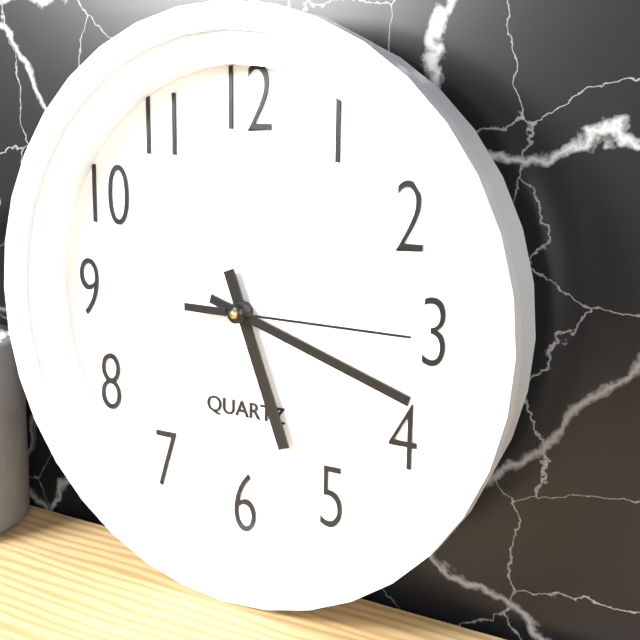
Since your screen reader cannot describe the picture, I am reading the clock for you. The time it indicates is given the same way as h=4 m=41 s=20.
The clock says h=5 m=18 s=15
